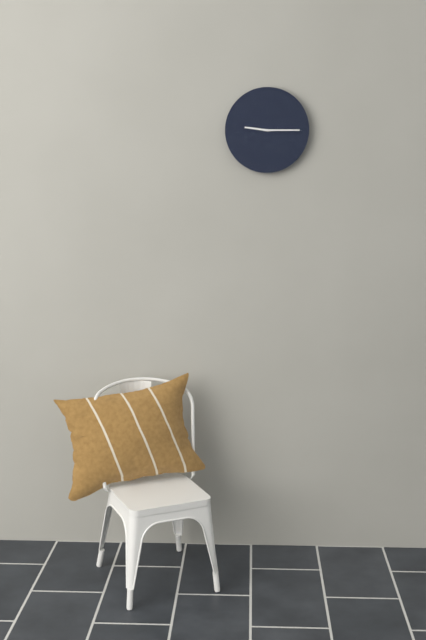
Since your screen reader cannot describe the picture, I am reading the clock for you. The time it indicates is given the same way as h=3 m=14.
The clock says h=9 m=15
